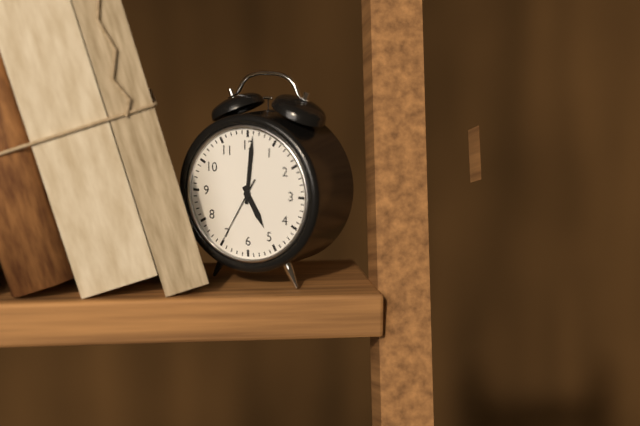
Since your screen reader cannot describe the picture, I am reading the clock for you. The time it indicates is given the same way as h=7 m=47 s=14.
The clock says h=5 m=1 s=35
